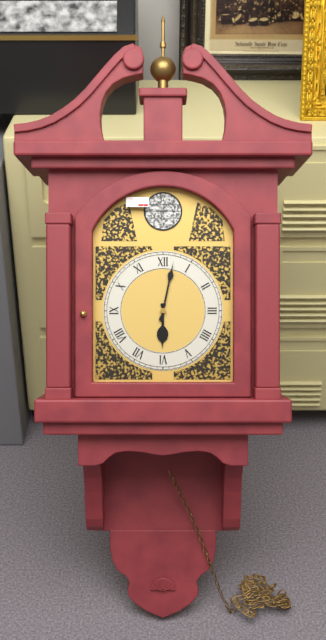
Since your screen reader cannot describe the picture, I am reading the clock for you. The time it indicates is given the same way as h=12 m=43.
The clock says h=6 m=2
